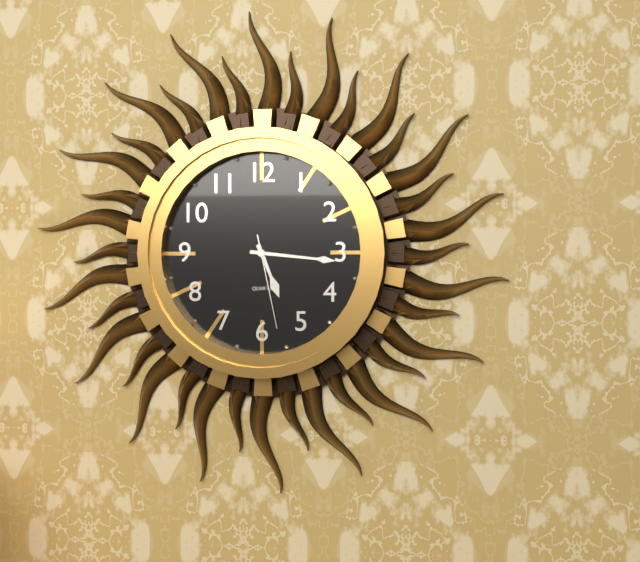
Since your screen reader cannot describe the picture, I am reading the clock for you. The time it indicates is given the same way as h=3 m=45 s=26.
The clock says h=5 m=16 s=28
